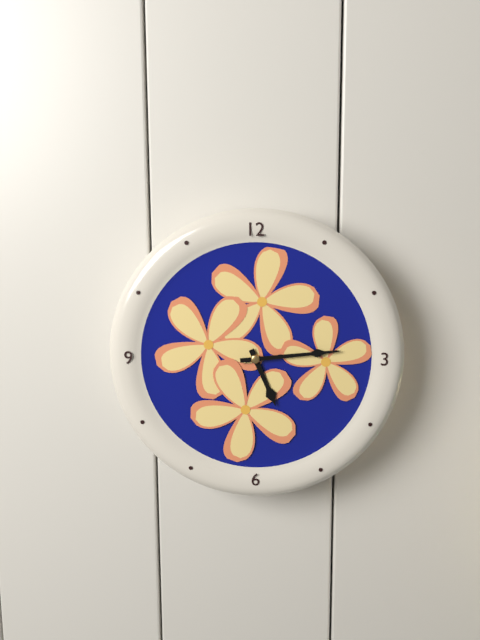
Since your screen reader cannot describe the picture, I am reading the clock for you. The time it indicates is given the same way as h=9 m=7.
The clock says h=5 m=14
